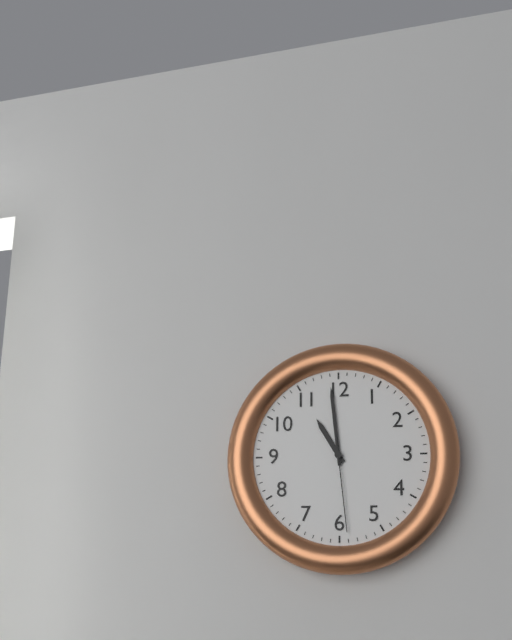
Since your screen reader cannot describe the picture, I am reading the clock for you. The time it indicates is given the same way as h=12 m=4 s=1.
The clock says h=10 m=59 s=29
